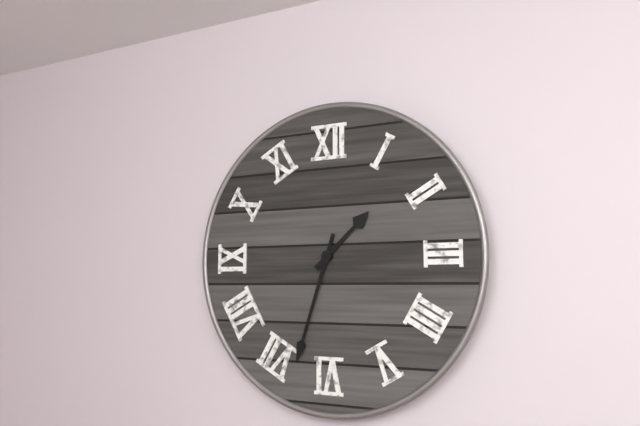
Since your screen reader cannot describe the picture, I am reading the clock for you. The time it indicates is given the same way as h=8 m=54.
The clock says h=1 m=33
